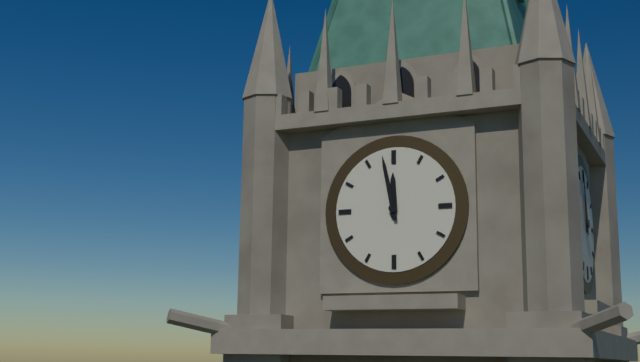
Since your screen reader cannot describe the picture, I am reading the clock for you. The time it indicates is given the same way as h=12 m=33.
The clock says h=11 m=58
